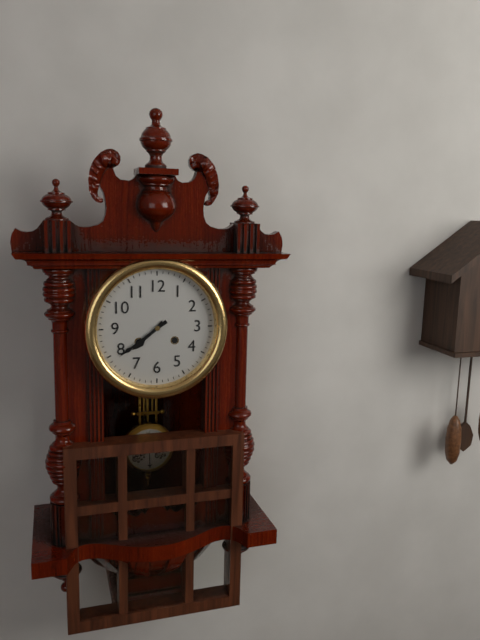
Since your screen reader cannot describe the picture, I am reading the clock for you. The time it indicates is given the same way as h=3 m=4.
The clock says h=7 m=39
